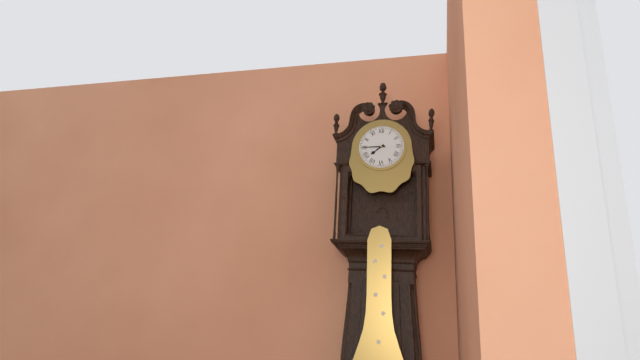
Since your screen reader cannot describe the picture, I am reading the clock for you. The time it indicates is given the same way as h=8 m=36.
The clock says h=7 m=45
